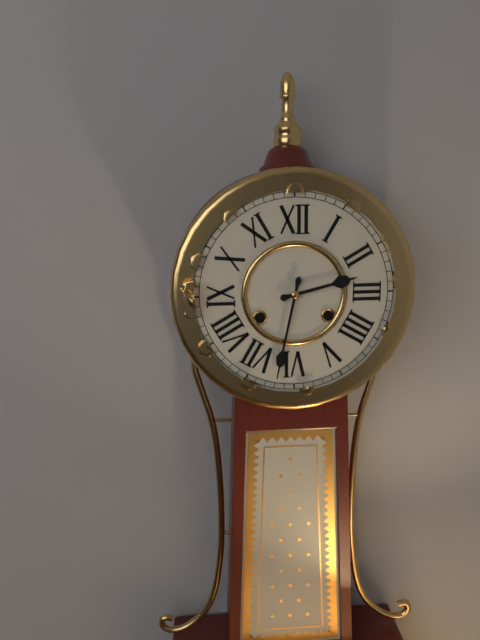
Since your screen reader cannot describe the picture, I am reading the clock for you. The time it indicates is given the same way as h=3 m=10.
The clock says h=2 m=32
